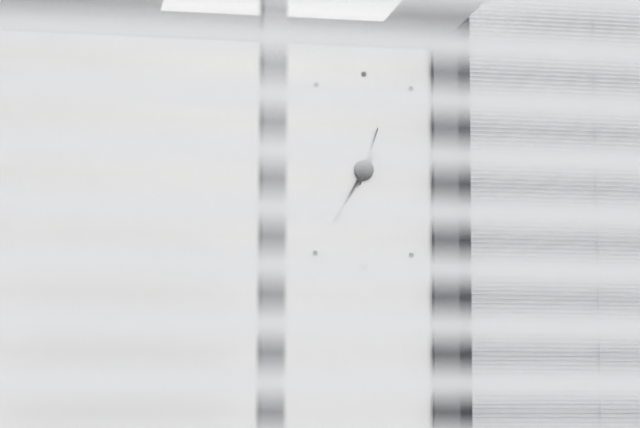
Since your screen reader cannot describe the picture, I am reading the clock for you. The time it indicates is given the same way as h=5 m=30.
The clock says h=12 m=35
